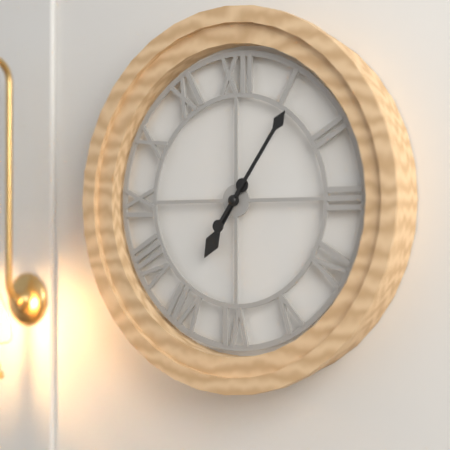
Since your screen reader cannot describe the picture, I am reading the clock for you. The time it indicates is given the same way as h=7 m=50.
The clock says h=7 m=6
